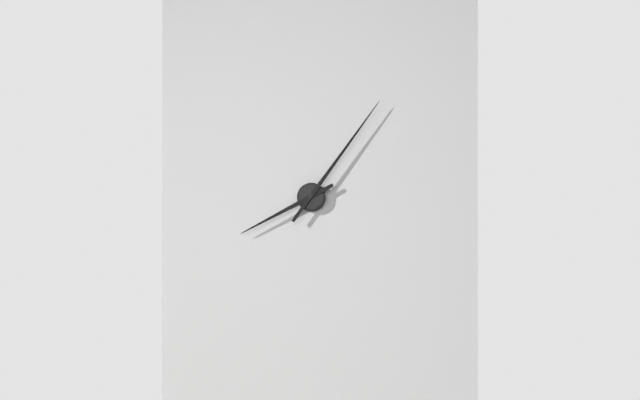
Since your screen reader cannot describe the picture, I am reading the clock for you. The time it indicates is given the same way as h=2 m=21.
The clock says h=8 m=6
